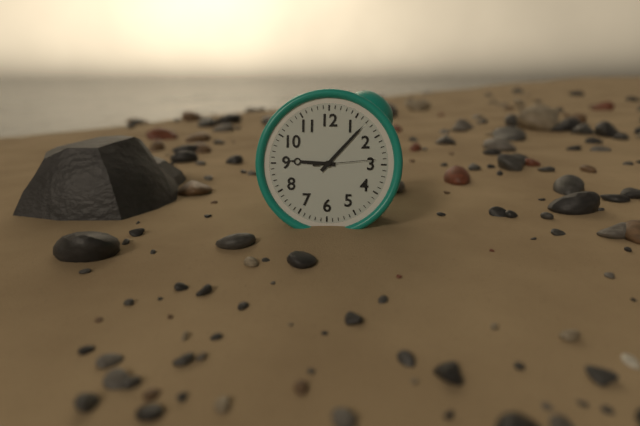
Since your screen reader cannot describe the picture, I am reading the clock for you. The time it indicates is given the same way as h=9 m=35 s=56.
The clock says h=9 m=7 s=14
